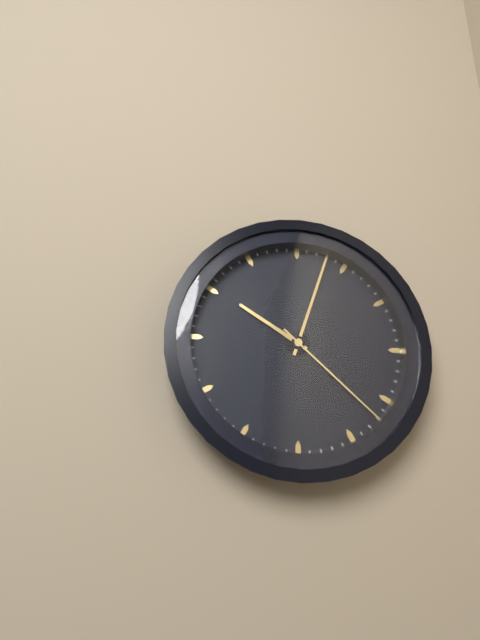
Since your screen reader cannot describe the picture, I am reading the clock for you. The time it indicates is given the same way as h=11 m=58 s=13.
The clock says h=10 m=3 s=22
